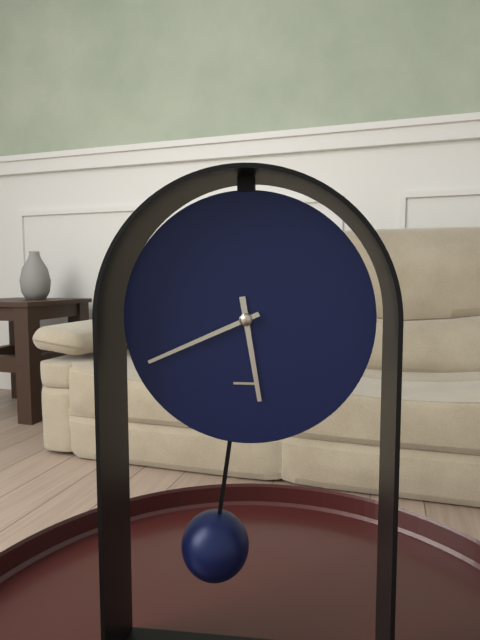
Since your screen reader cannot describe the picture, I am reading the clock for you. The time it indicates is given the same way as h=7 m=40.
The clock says h=5 m=41
